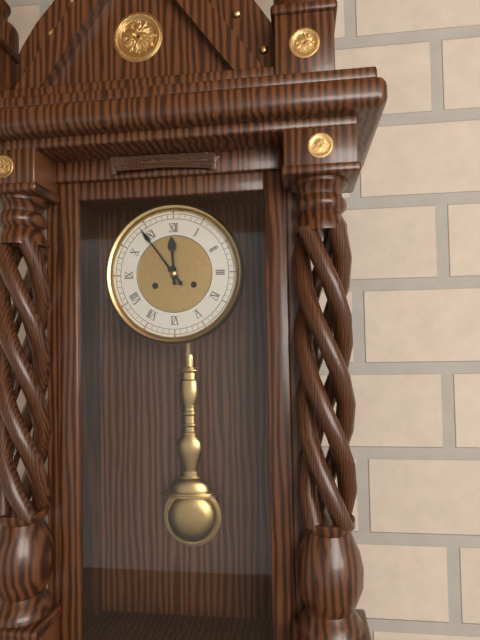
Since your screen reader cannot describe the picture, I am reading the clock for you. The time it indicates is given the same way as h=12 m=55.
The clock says h=11 m=54
